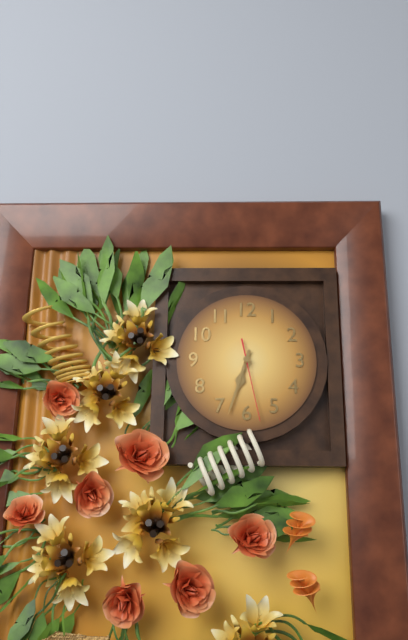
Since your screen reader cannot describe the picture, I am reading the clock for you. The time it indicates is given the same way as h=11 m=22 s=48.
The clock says h=6 m=33 s=28
